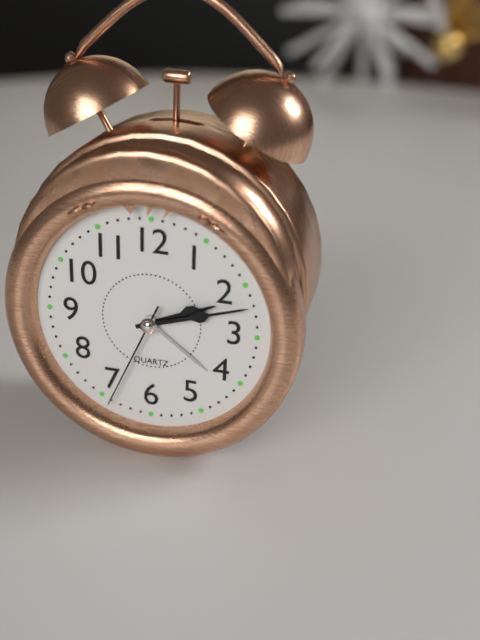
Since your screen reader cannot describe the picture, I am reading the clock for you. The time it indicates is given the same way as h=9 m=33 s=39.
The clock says h=2 m=12 s=34
